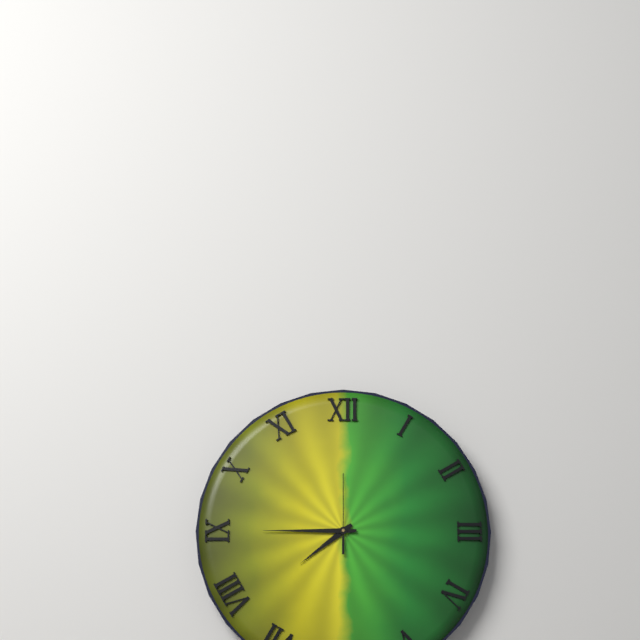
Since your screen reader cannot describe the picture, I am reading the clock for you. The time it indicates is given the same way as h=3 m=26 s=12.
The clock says h=7 m=45 s=0
